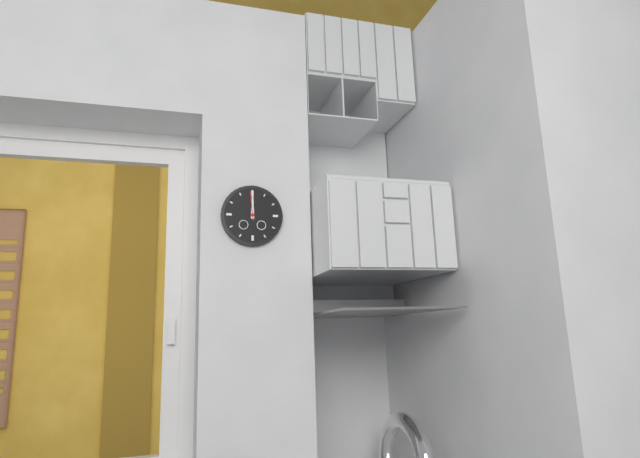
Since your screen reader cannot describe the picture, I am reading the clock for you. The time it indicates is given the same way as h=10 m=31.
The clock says h=12 m=0
